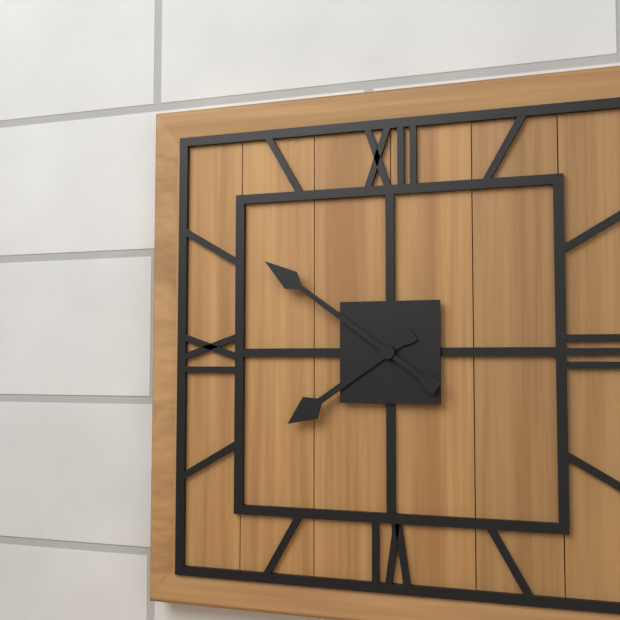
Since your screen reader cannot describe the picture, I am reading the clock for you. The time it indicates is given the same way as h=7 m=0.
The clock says h=7 m=51
